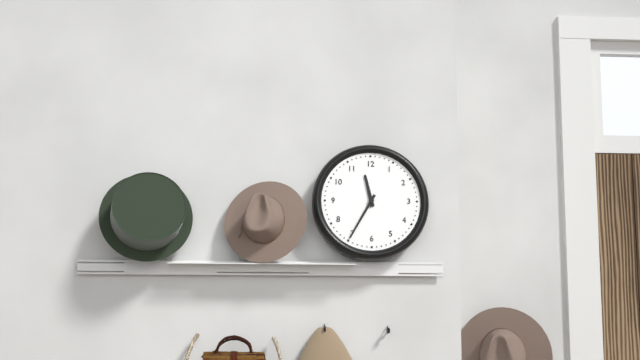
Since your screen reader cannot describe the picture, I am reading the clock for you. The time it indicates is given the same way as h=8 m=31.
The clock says h=11 m=35
